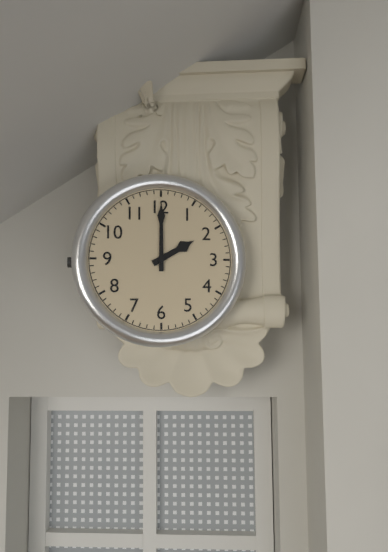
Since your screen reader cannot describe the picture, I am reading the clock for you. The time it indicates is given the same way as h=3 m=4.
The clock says h=2 m=0
